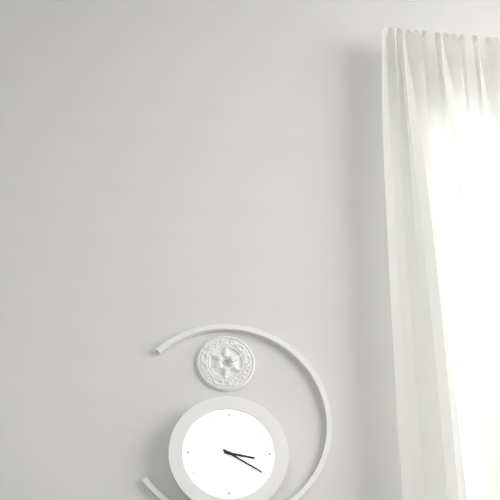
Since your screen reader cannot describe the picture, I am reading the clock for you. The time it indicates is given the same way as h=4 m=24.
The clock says h=3 m=20
